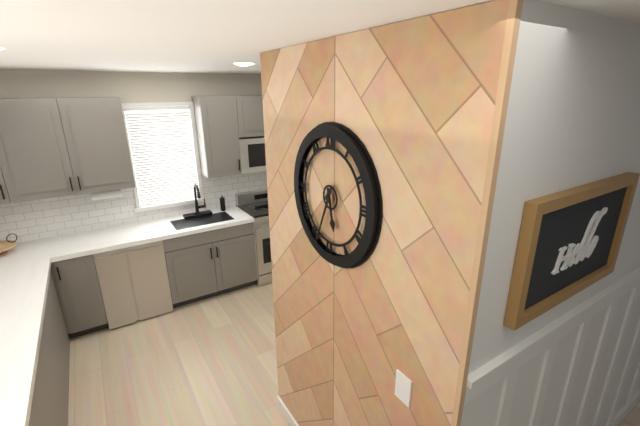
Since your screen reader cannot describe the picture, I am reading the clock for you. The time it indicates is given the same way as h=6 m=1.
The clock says h=5 m=34
